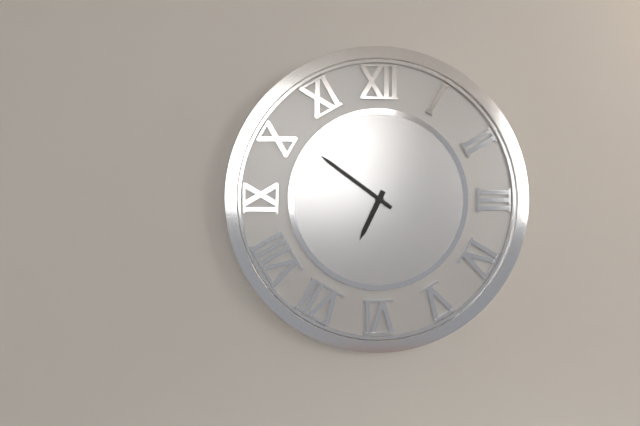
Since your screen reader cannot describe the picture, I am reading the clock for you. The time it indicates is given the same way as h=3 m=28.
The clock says h=6 m=51
